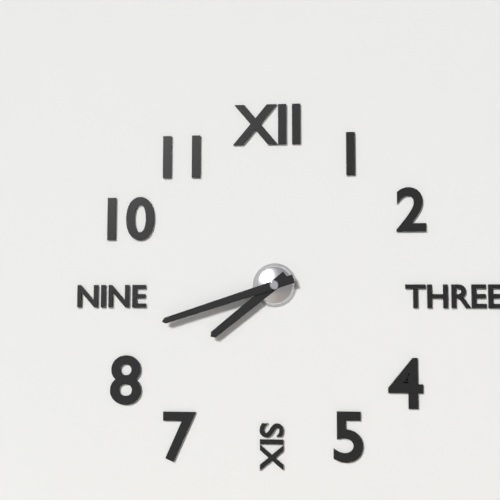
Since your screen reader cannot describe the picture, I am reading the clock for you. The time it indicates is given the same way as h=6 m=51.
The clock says h=7 m=42
